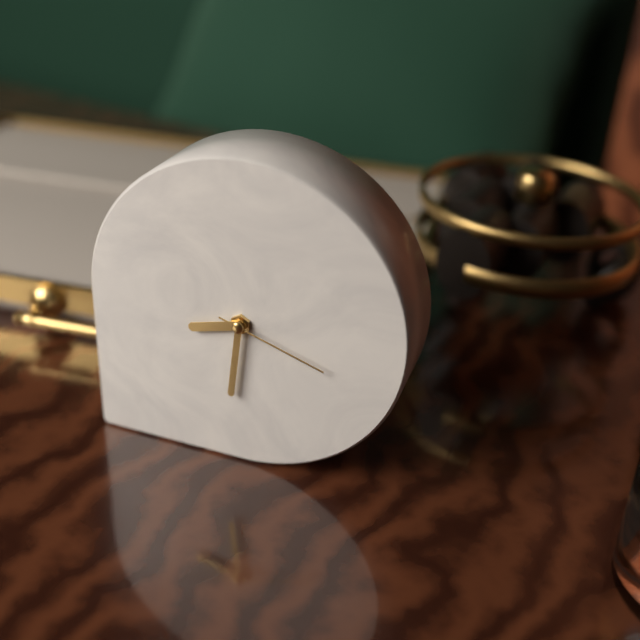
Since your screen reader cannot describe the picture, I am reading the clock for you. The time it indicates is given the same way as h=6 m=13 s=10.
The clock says h=8 m=31 s=18
